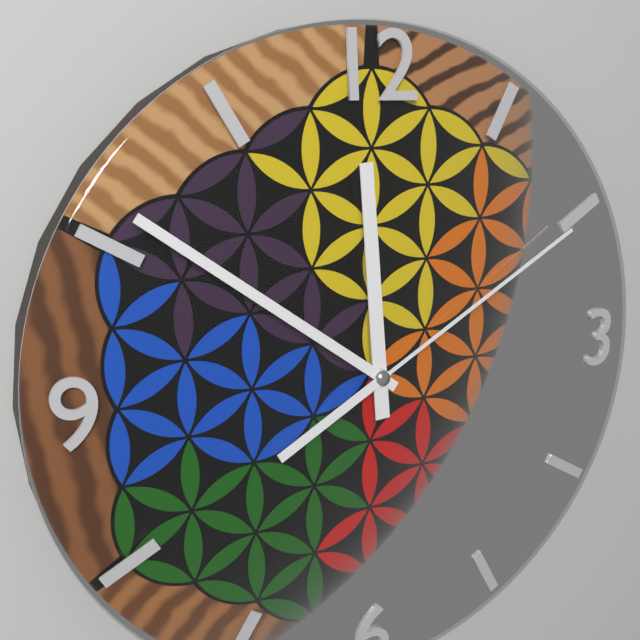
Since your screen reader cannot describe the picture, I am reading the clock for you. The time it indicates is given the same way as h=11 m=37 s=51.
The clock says h=11 m=51 s=10
